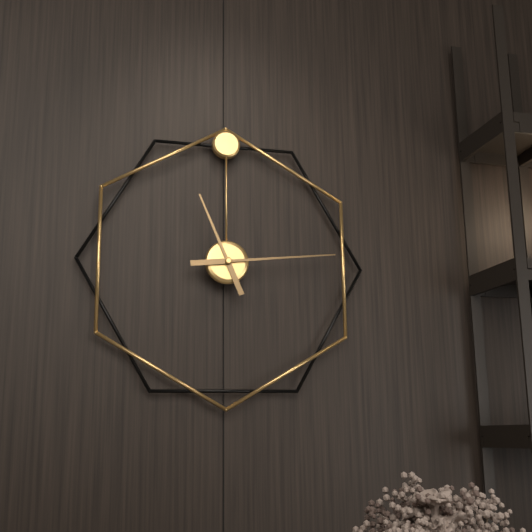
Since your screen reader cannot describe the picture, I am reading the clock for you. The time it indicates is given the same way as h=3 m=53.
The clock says h=11 m=14
